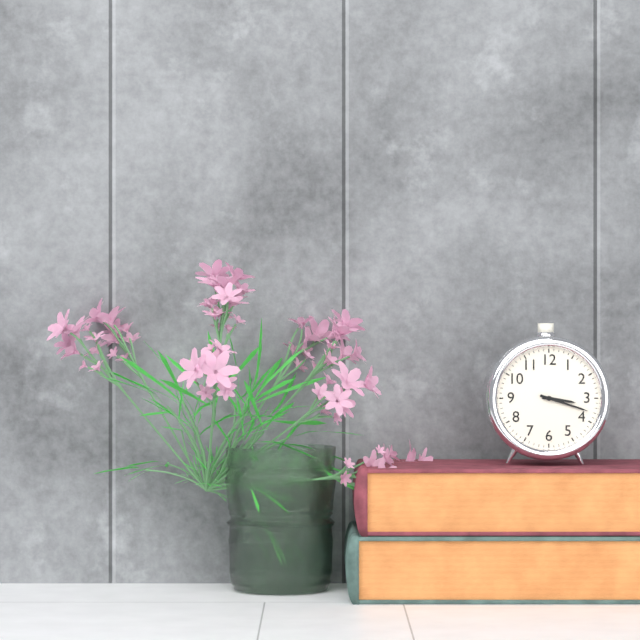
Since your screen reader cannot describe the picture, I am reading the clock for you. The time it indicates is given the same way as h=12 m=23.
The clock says h=3 m=18
